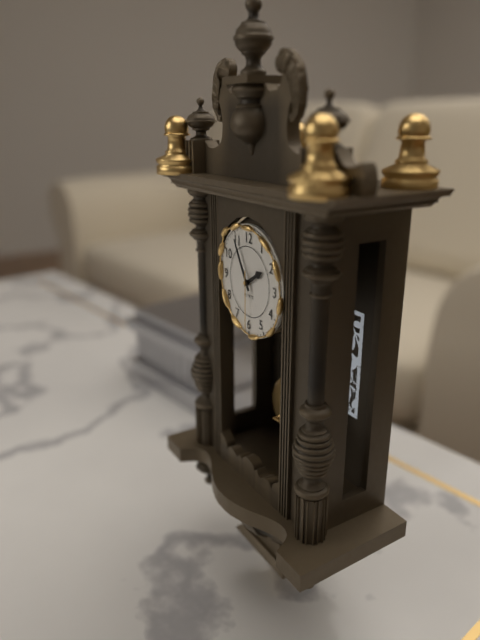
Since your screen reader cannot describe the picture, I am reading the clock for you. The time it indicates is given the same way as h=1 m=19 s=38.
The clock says h=1 m=55 s=30
